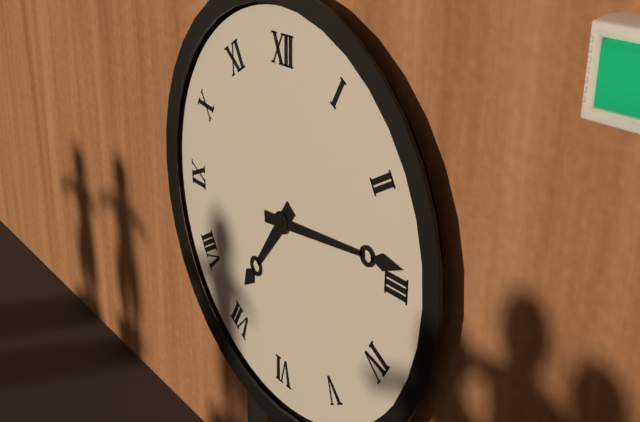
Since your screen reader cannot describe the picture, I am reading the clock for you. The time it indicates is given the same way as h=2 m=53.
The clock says h=7 m=14
